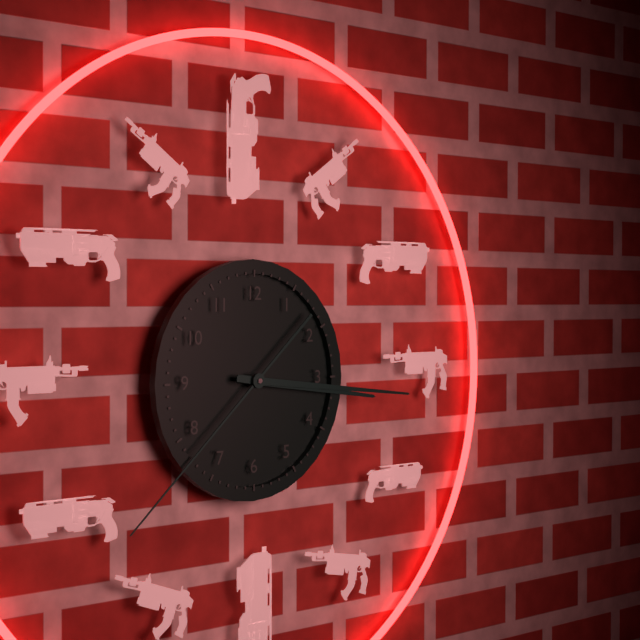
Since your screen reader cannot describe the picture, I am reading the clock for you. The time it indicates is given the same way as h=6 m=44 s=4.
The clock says h=3 m=16 s=38
